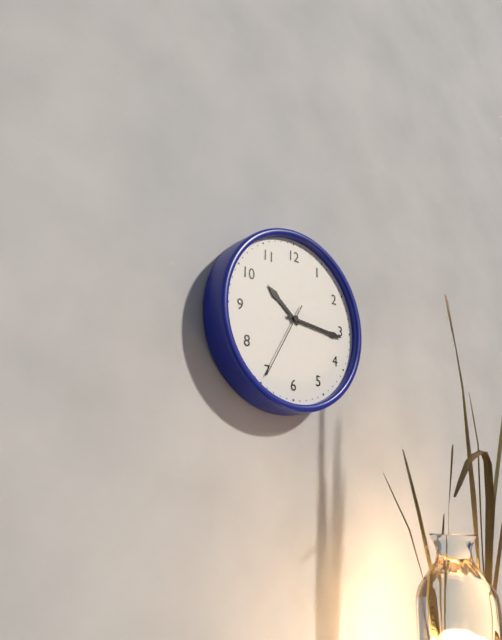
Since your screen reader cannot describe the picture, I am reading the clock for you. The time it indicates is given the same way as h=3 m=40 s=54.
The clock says h=10 m=16 s=35
